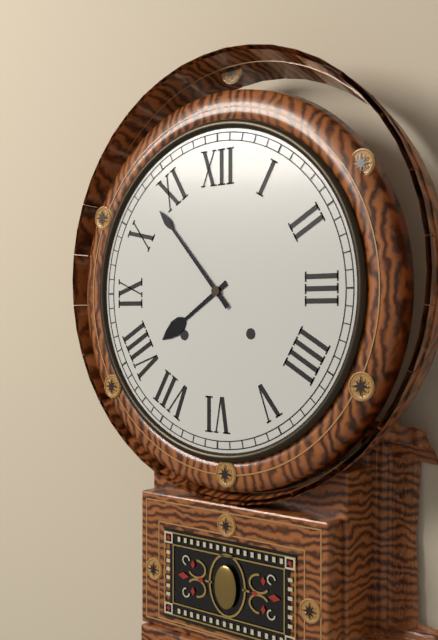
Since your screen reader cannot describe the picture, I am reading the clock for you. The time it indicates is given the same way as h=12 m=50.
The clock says h=7 m=53
